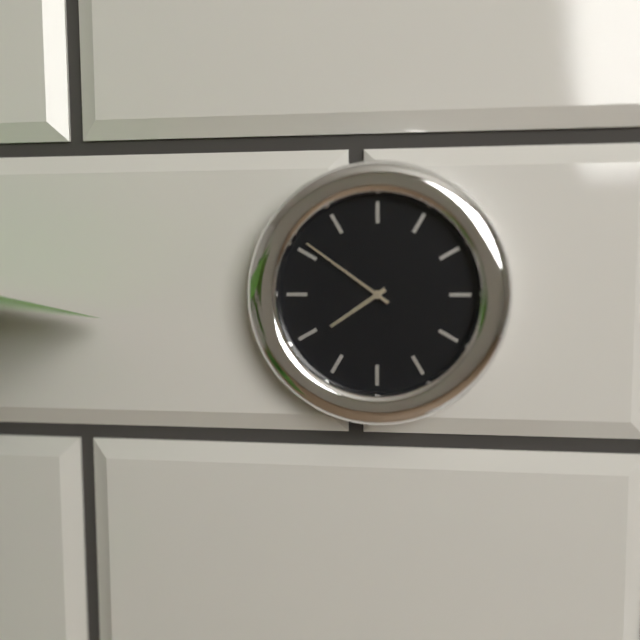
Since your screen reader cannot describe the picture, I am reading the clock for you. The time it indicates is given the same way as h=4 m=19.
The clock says h=7 m=51
